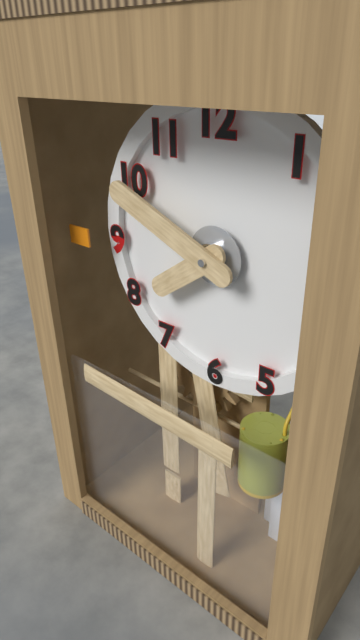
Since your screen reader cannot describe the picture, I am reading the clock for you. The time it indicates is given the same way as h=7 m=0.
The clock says h=7 m=49
